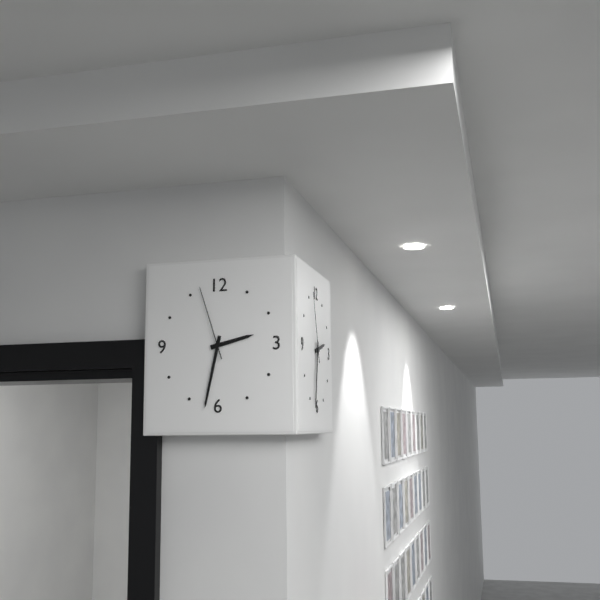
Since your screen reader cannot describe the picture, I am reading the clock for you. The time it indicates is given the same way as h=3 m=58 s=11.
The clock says h=2 m=32 s=57
